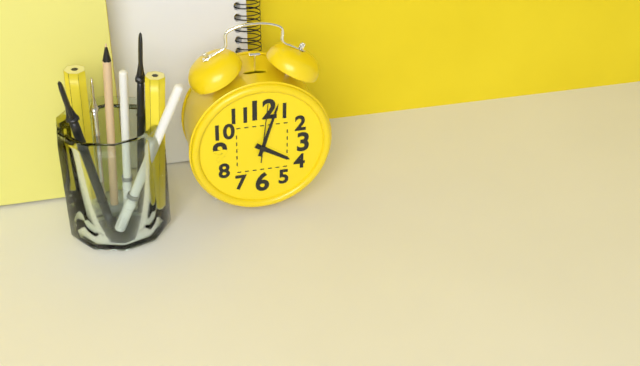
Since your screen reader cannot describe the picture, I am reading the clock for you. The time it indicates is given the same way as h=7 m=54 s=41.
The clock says h=4 m=3 s=1
